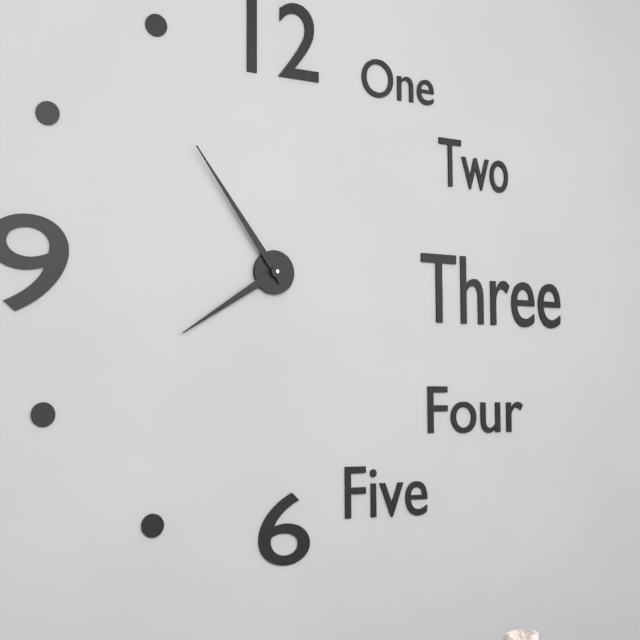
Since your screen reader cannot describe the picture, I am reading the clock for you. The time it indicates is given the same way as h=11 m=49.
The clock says h=7 m=54
